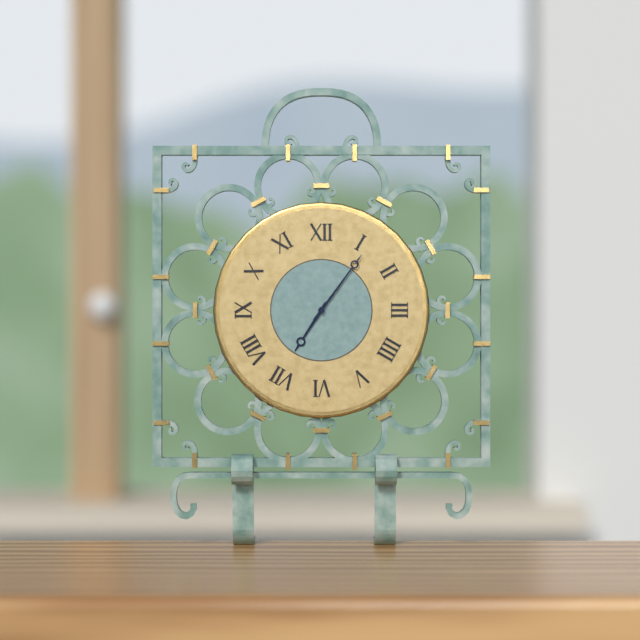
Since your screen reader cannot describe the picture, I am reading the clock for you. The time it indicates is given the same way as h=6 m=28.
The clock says h=7 m=6
